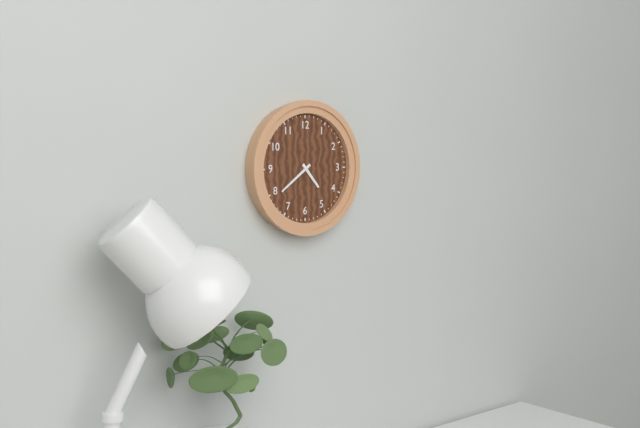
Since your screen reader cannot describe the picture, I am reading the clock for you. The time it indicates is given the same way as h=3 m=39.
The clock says h=4 m=39
